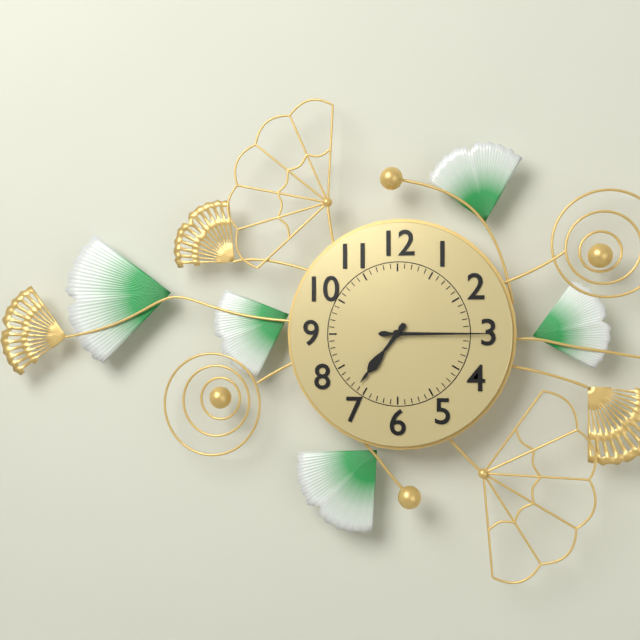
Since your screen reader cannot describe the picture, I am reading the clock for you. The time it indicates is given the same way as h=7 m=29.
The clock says h=7 m=15
